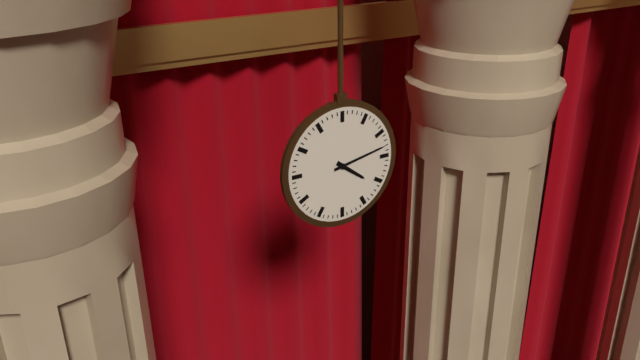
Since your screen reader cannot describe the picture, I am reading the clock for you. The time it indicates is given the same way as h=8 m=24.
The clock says h=4 m=13
